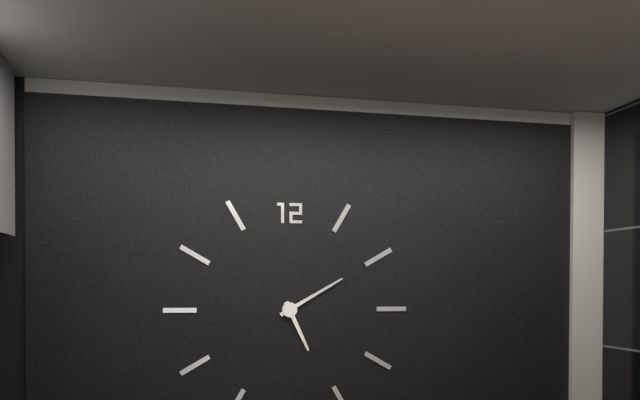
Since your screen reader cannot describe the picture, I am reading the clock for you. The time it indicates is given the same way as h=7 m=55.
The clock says h=5 m=10
